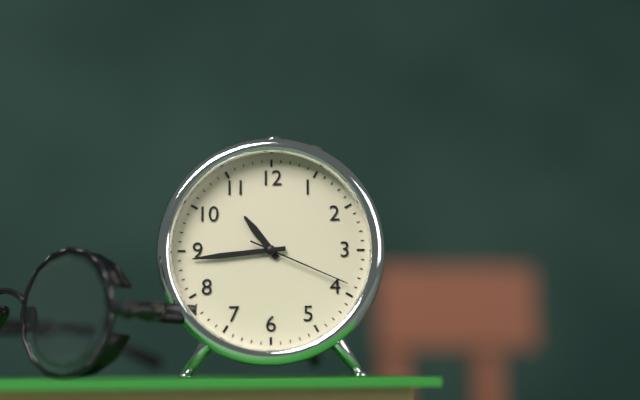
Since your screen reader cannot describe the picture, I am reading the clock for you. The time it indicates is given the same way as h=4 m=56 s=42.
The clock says h=10 m=44 s=19
